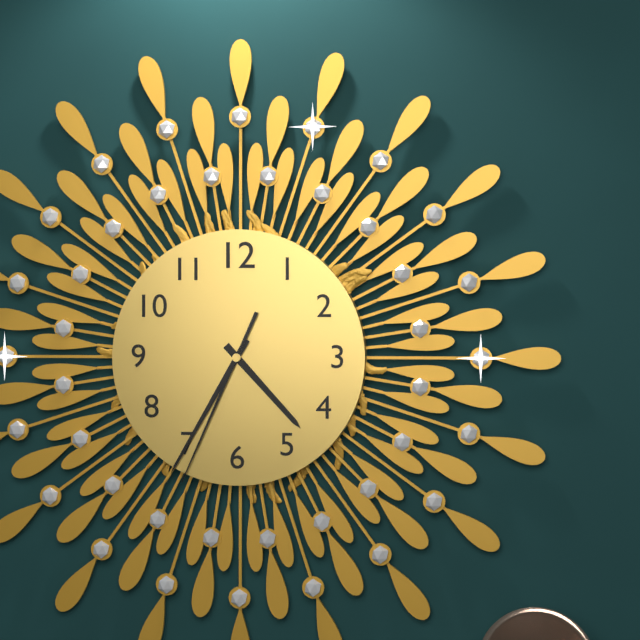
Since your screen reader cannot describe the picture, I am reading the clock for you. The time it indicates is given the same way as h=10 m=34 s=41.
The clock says h=4 m=35 s=34
